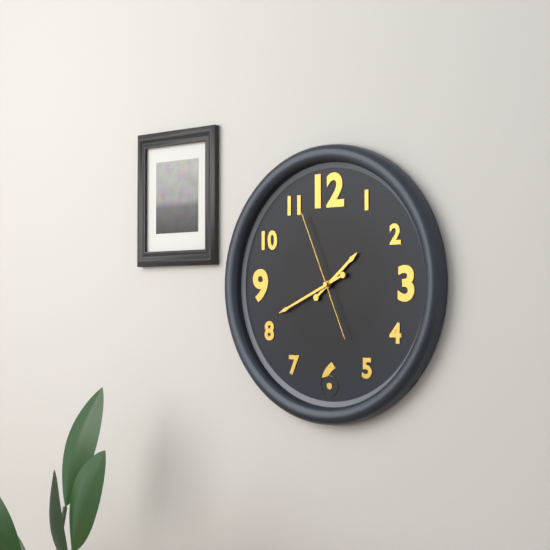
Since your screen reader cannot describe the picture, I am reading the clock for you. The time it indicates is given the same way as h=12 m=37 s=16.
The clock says h=1 m=41 s=56
